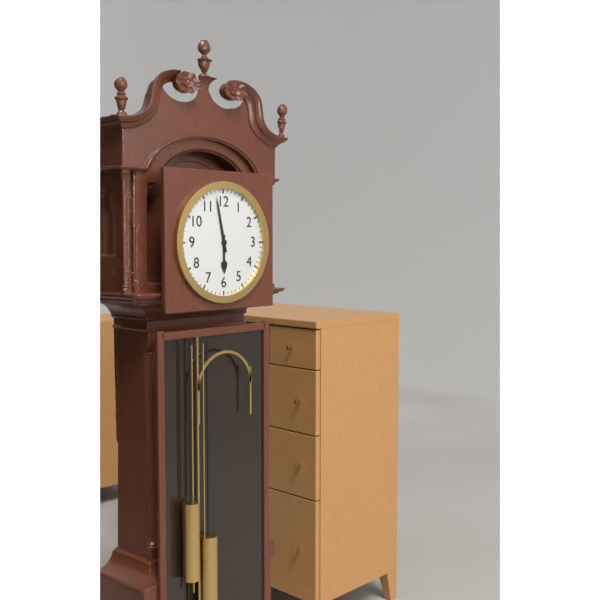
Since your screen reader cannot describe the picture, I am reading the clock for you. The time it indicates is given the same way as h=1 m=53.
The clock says h=5 m=58
